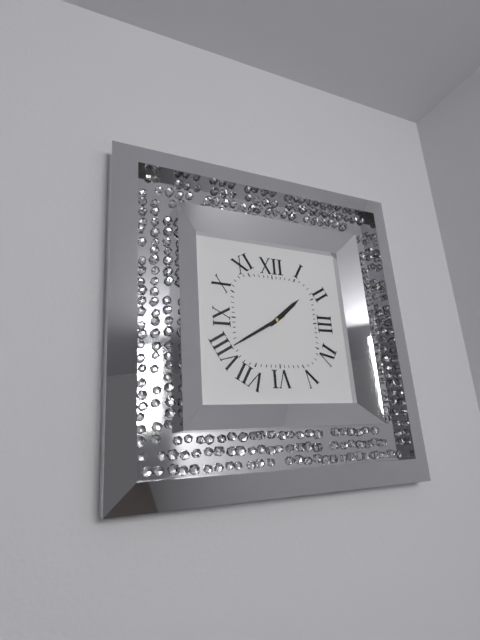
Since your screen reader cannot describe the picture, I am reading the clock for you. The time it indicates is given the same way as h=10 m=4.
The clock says h=1 m=40
